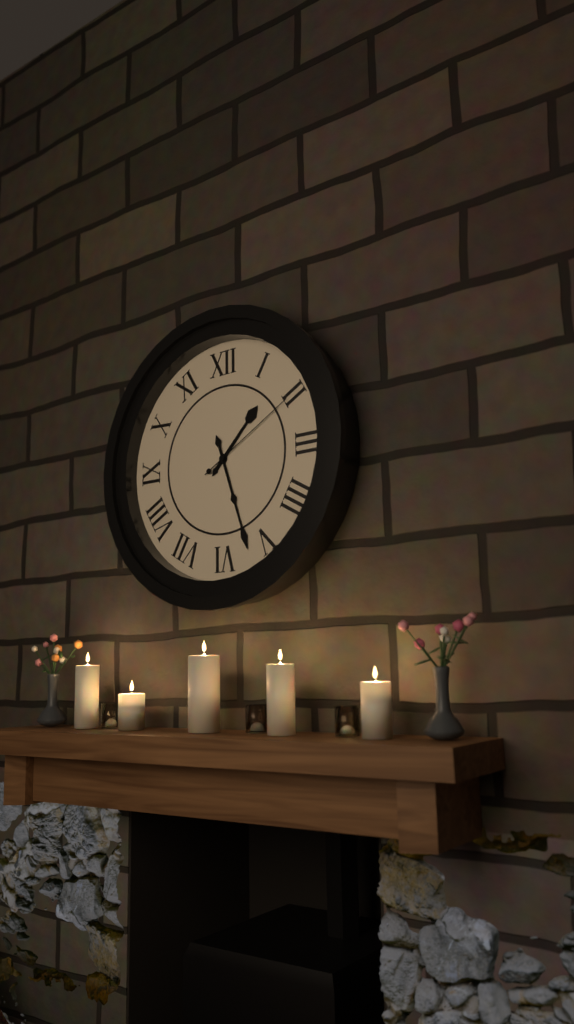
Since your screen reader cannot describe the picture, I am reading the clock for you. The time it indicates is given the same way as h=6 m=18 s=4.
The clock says h=1 m=27 s=10
